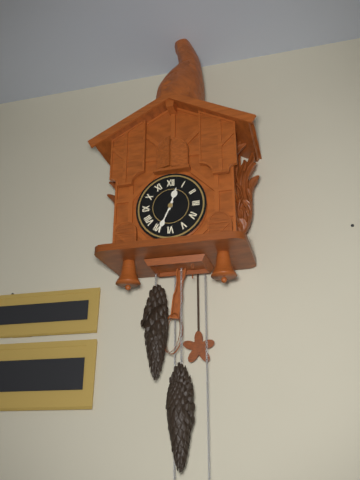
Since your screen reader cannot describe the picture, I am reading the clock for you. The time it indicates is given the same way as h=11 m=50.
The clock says h=12 m=34
